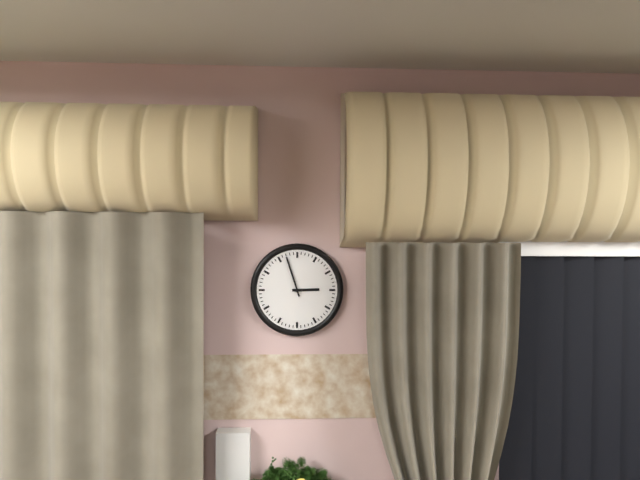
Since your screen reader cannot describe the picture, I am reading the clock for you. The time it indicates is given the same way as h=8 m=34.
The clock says h=2 m=57
